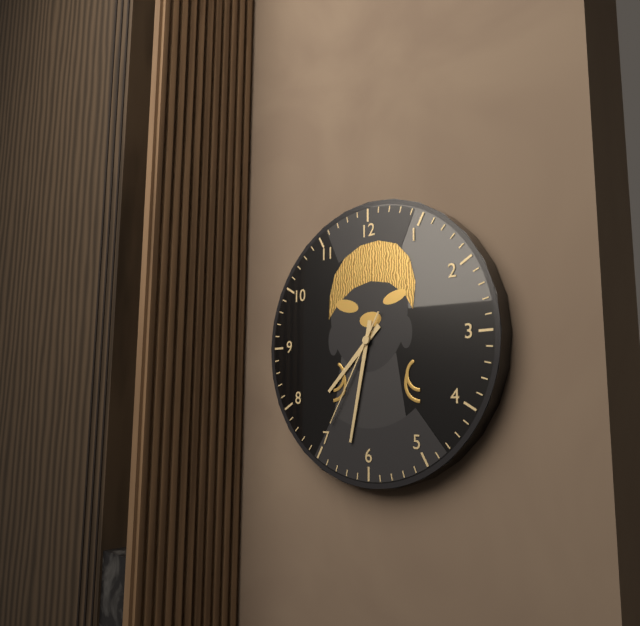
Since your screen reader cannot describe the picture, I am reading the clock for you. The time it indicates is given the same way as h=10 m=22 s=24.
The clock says h=7 m=32 s=35
